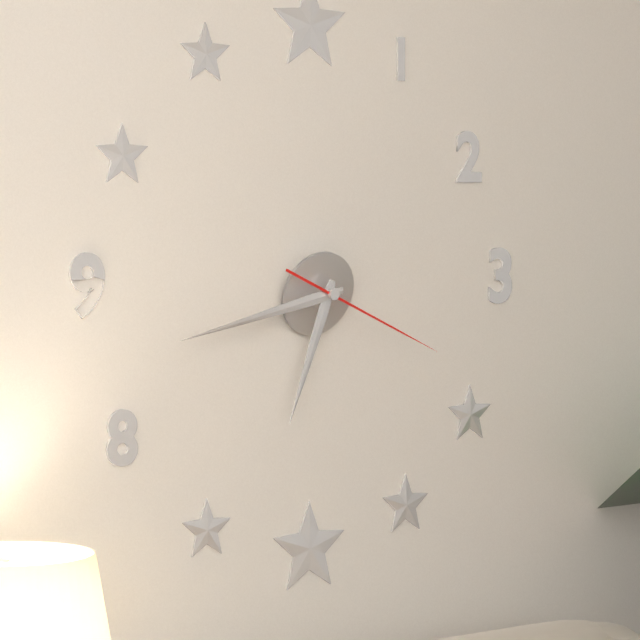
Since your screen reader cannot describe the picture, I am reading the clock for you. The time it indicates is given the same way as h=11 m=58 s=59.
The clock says h=6 m=43 s=19
